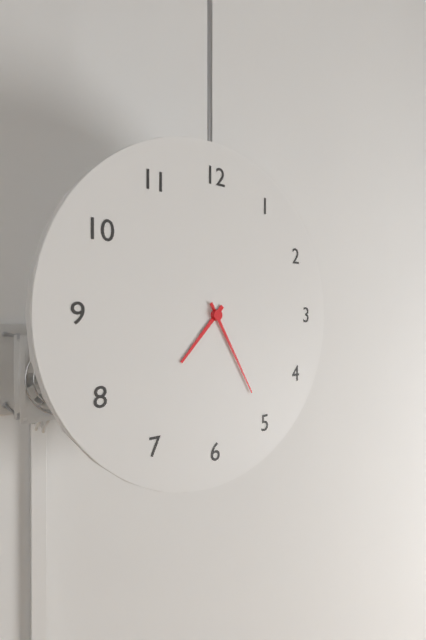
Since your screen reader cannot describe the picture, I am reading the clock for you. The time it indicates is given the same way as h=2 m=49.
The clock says h=7 m=25
